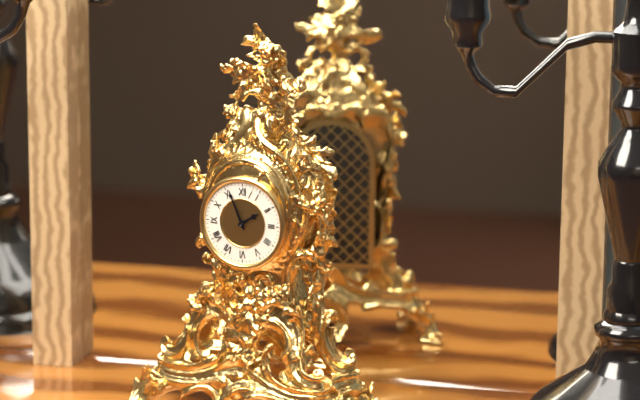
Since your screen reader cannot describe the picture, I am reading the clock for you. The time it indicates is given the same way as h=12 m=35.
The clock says h=1 m=56
